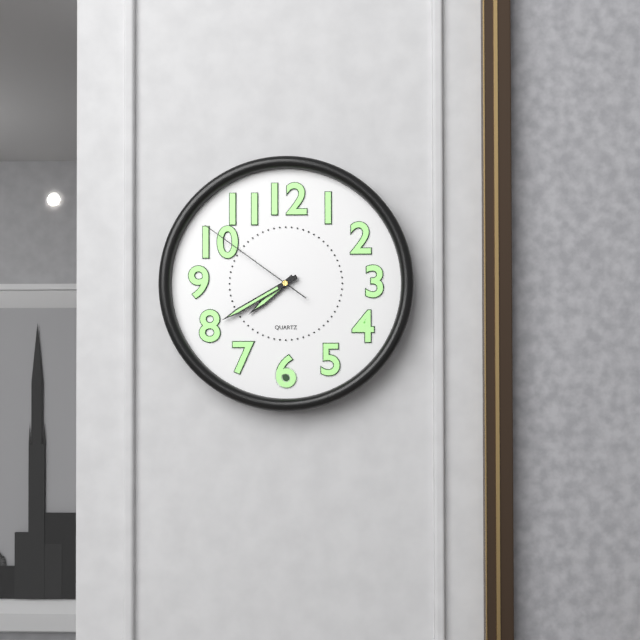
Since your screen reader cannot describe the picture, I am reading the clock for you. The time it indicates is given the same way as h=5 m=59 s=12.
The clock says h=7 m=40 s=51
